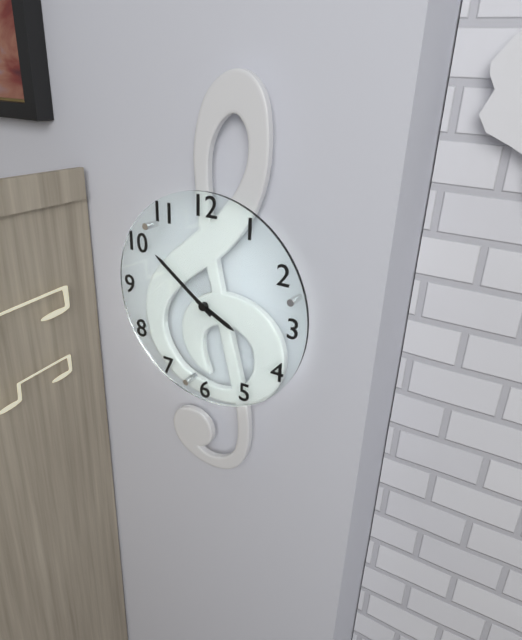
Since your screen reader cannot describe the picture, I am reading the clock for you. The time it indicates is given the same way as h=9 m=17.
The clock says h=3 m=51
